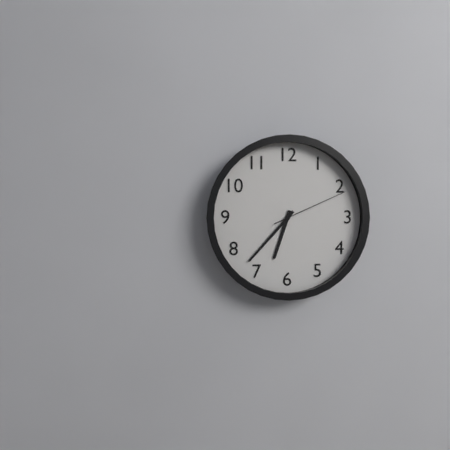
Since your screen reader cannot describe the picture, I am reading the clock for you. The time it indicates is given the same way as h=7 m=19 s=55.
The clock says h=6 m=37 s=11
